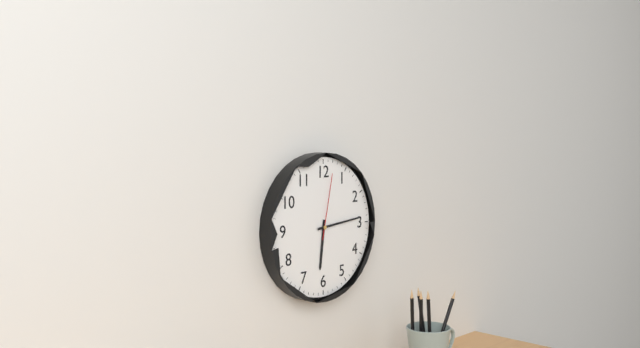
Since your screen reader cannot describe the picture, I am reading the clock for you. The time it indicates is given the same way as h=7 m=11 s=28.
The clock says h=6 m=14 s=2
